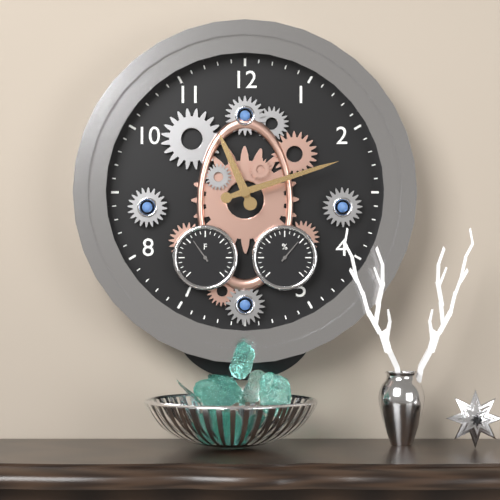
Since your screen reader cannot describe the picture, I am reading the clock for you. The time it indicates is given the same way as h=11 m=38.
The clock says h=11 m=12
